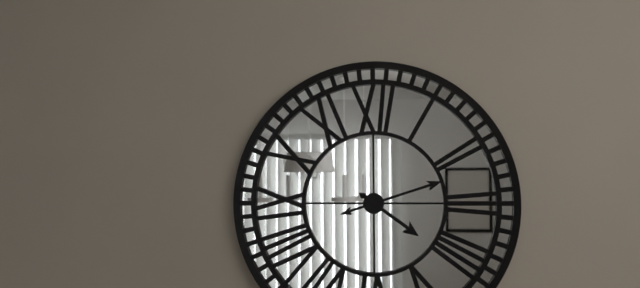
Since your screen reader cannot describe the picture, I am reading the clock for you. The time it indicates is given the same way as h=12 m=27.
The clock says h=4 m=12
